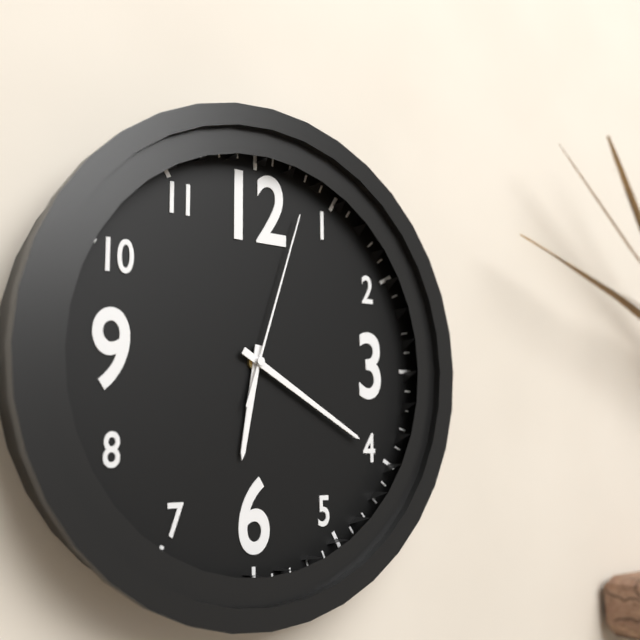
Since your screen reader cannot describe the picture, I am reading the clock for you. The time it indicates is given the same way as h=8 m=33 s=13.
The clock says h=6 m=20 s=3
